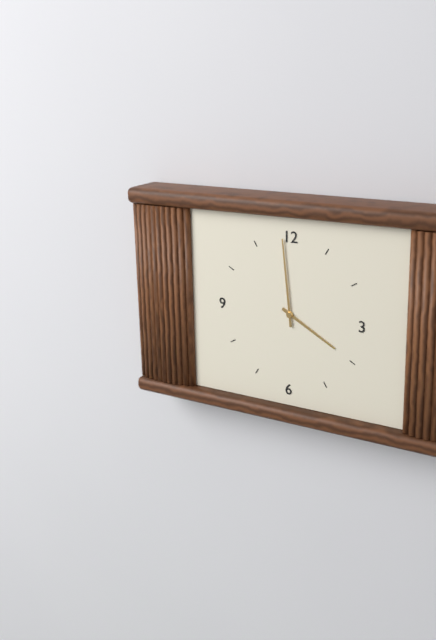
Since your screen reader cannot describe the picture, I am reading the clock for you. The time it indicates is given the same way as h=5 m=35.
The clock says h=3 m=59
